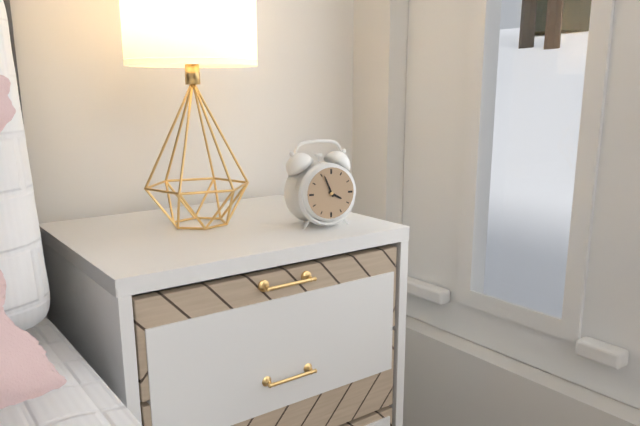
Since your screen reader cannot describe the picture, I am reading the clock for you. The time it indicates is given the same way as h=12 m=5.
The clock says h=3 m=56
